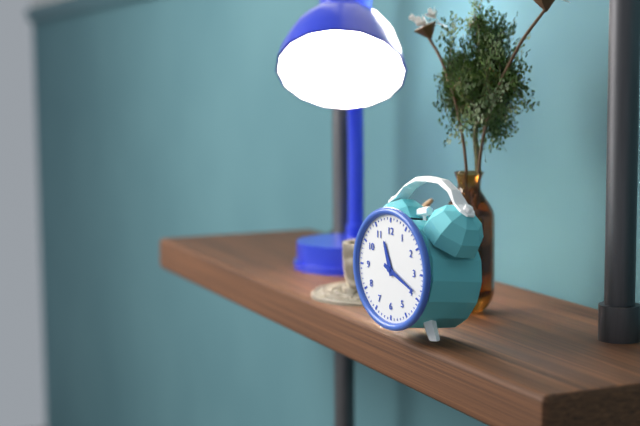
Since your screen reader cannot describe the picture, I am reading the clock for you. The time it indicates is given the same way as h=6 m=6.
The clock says h=11 m=19
